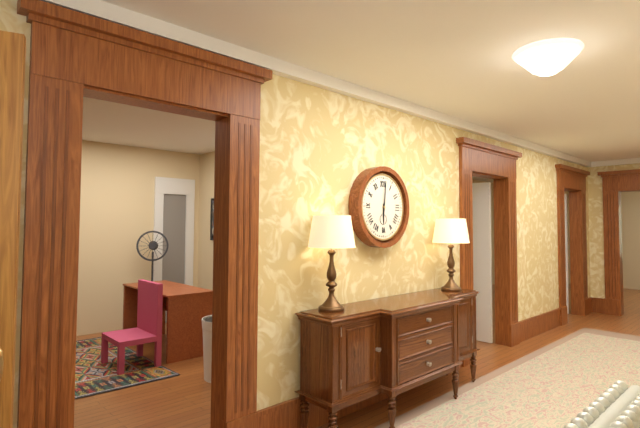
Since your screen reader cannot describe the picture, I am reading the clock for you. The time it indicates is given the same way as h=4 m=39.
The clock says h=6 m=1
